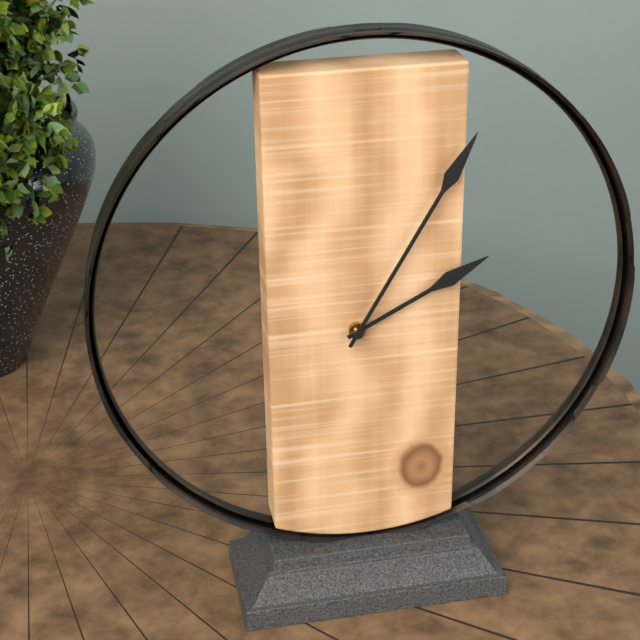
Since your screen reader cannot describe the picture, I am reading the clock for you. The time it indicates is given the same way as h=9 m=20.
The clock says h=2 m=5
